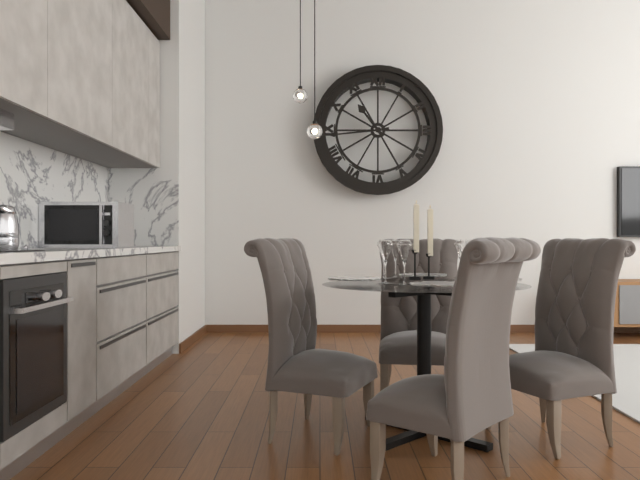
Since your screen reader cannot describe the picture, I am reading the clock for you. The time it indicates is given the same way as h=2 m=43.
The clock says h=10 m=44
